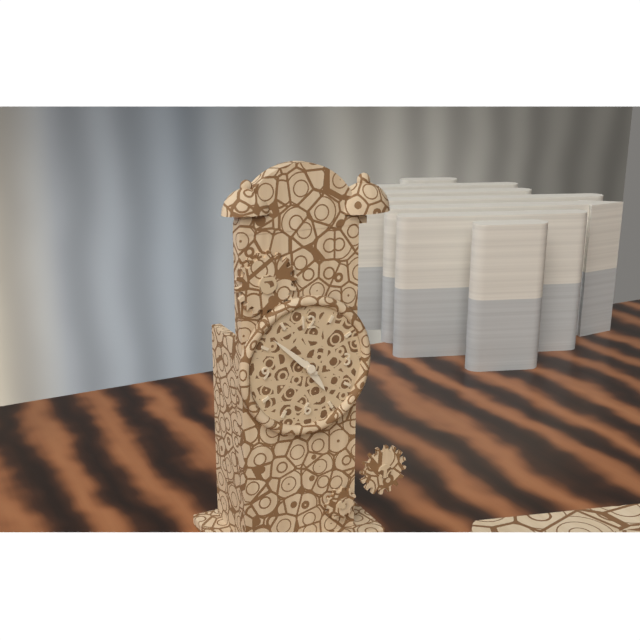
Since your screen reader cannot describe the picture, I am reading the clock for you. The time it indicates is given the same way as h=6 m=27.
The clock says h=4 m=52
